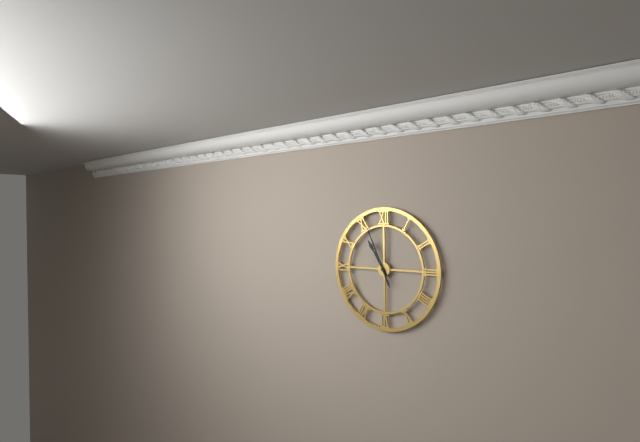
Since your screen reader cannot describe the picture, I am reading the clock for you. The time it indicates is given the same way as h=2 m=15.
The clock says h=10 m=56
